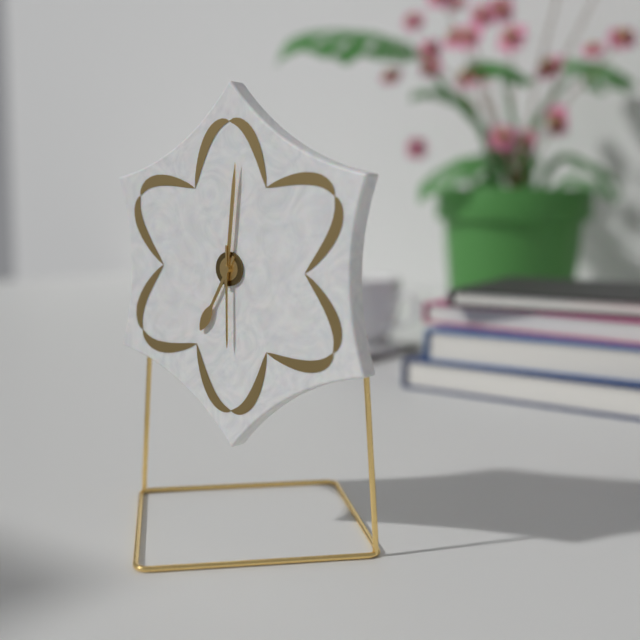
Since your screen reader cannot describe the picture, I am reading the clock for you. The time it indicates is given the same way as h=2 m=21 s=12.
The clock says h=7 m=1 s=30
